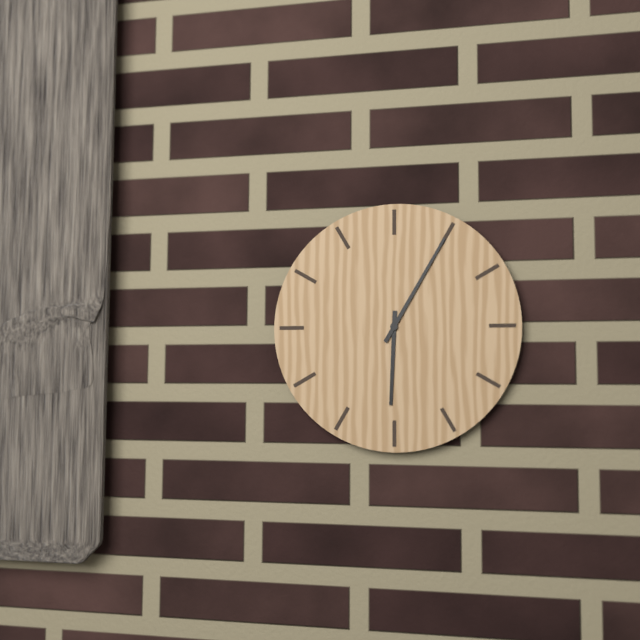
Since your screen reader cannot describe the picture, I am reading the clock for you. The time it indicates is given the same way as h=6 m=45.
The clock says h=6 m=5
